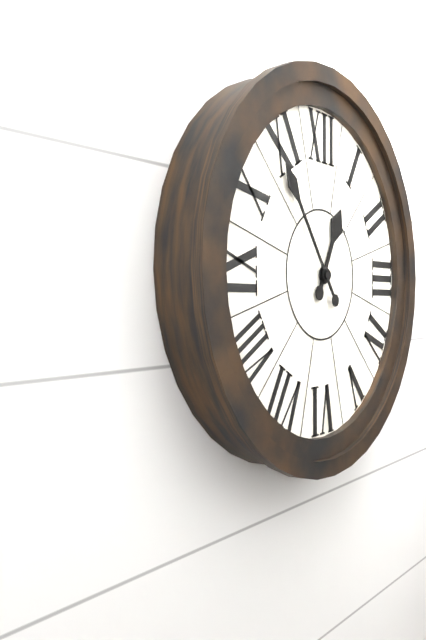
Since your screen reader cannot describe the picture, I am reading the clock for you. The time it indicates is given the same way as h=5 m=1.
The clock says h=12 m=54
